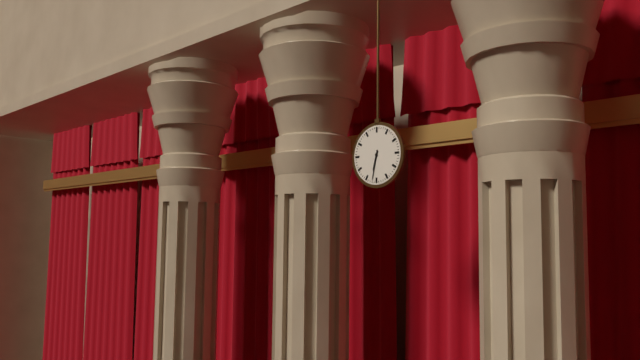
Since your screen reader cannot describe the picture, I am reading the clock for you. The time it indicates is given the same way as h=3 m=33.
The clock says h=6 m=32
